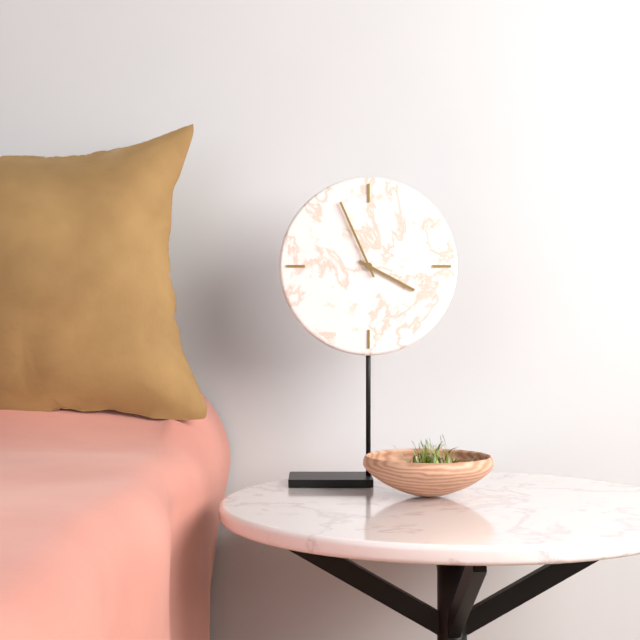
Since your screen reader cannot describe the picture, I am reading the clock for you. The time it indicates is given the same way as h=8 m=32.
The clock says h=3 m=56
